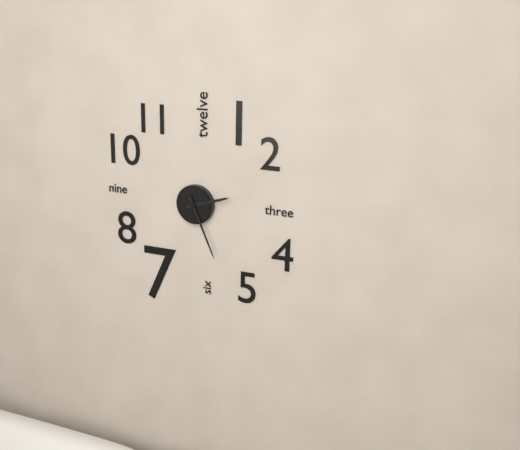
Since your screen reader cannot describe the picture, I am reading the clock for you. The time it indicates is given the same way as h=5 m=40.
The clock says h=2 m=26
